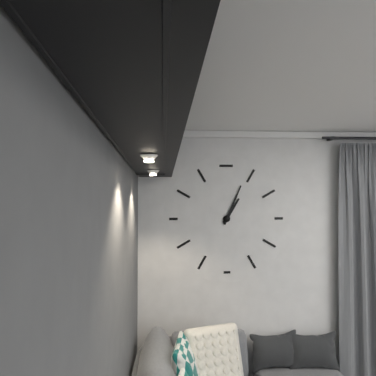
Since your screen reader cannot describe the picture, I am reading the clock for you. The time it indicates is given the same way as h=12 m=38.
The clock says h=1 m=4
